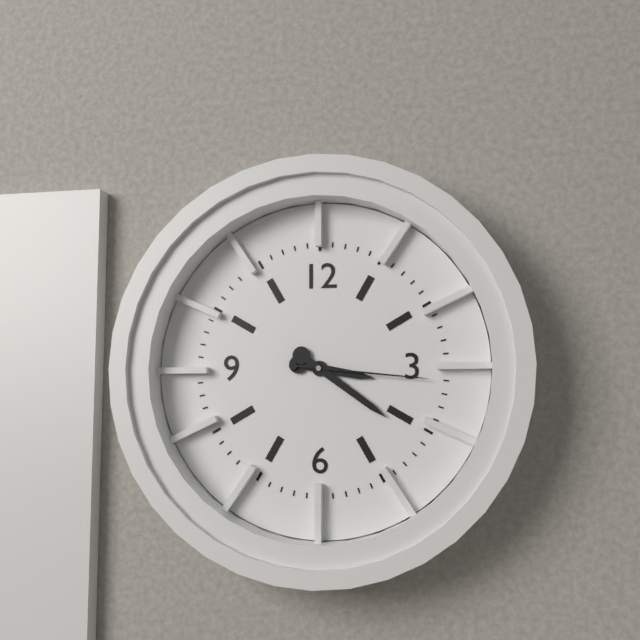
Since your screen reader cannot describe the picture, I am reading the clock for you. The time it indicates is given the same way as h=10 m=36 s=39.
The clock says h=3 m=21 s=16
